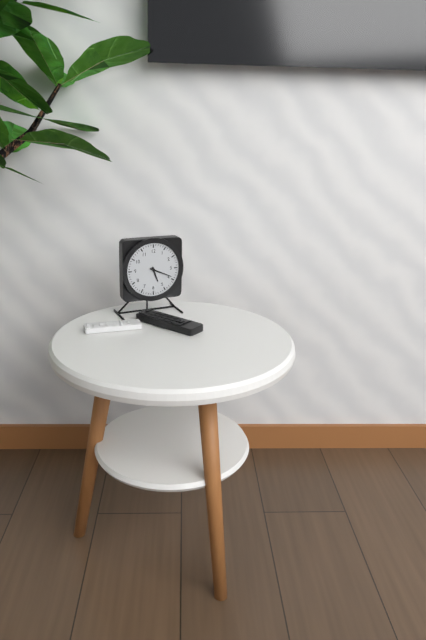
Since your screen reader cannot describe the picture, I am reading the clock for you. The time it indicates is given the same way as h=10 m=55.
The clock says h=5 m=19
